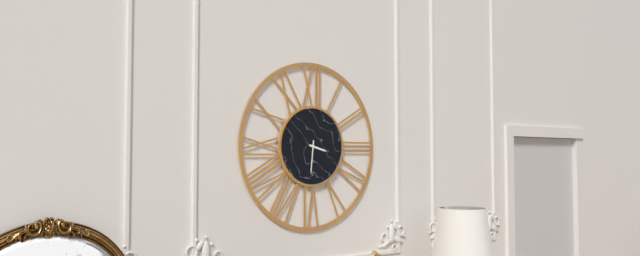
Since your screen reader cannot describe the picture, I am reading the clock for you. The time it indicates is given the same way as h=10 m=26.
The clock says h=3 m=31
